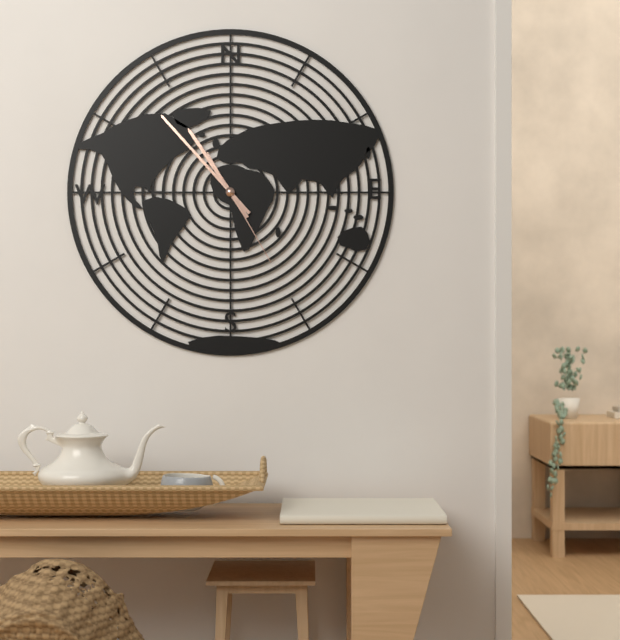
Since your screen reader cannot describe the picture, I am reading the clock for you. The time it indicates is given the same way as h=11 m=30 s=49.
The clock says h=10 m=53 s=25
